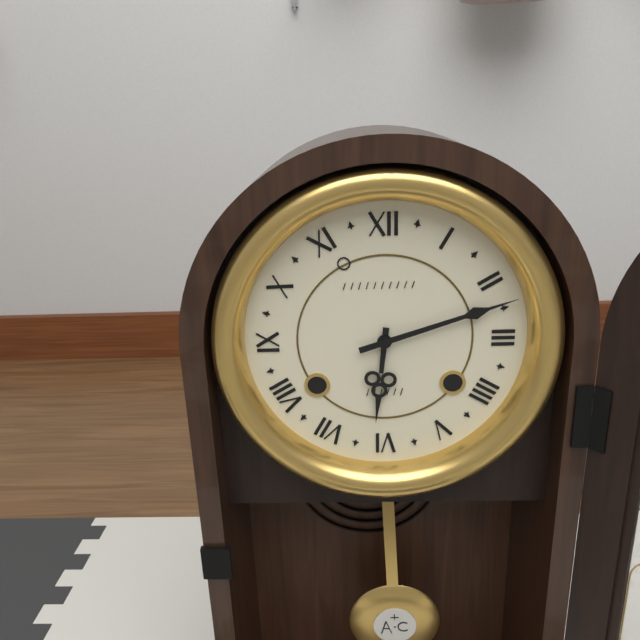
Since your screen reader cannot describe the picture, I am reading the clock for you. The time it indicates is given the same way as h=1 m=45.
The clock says h=6 m=12
